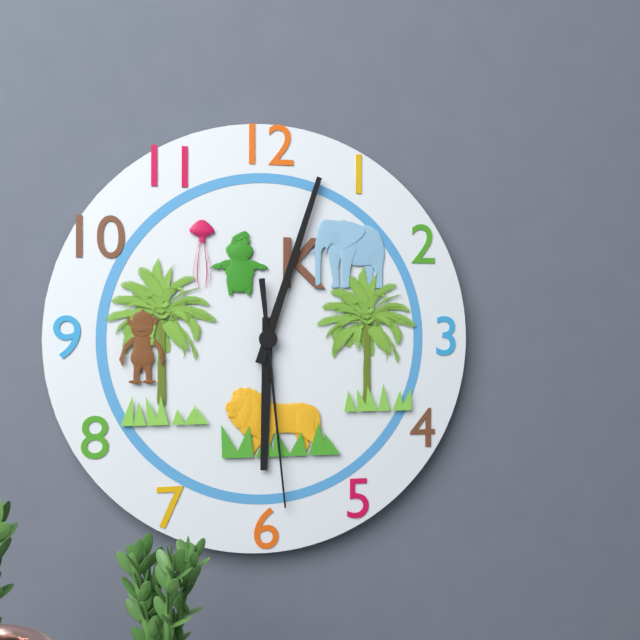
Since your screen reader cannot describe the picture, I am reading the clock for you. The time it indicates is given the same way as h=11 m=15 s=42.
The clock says h=6 m=3 s=29
